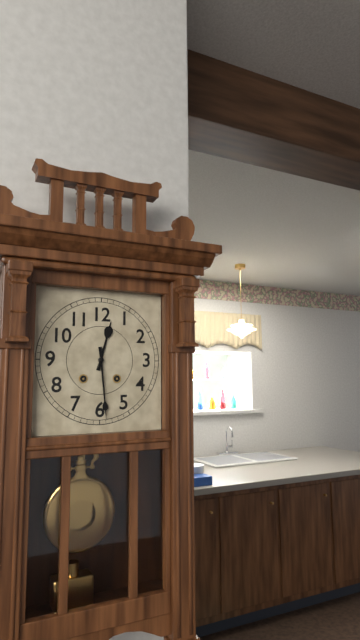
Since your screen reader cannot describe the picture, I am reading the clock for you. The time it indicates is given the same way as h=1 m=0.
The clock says h=12 m=29
